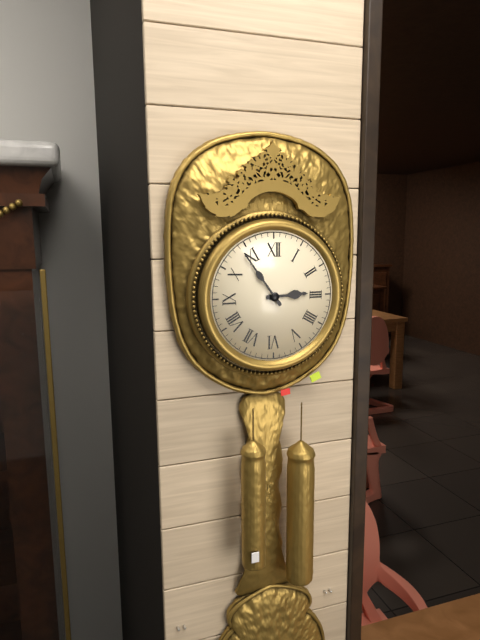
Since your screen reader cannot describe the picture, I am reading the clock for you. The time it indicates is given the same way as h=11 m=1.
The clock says h=2 m=54
